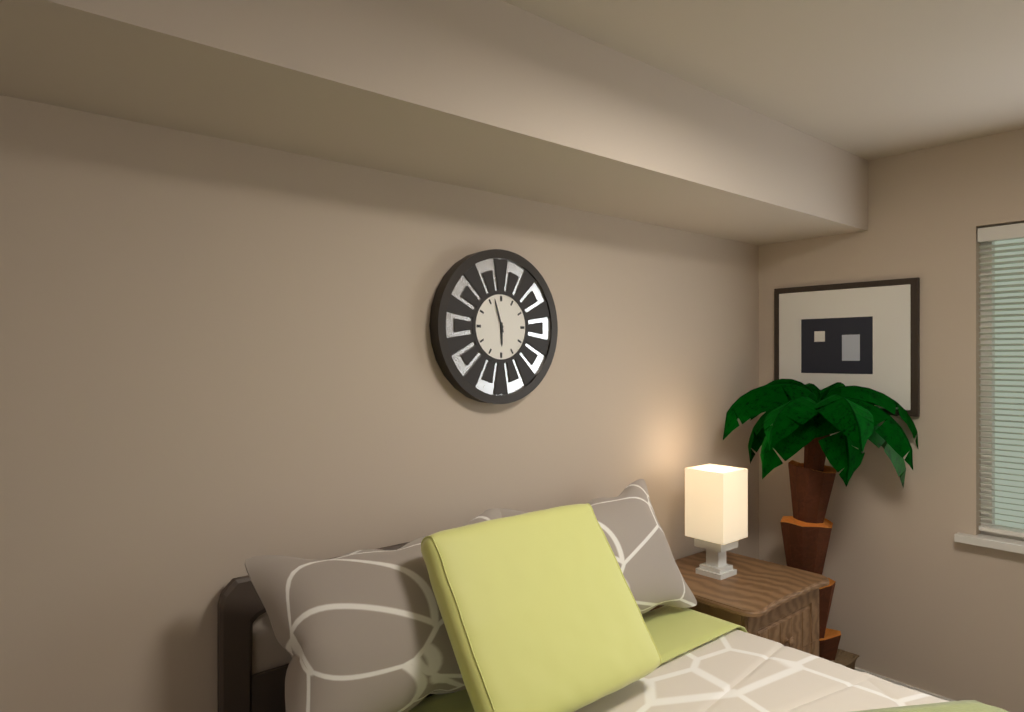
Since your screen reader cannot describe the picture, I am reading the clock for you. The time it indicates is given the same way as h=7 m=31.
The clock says h=5 m=57
